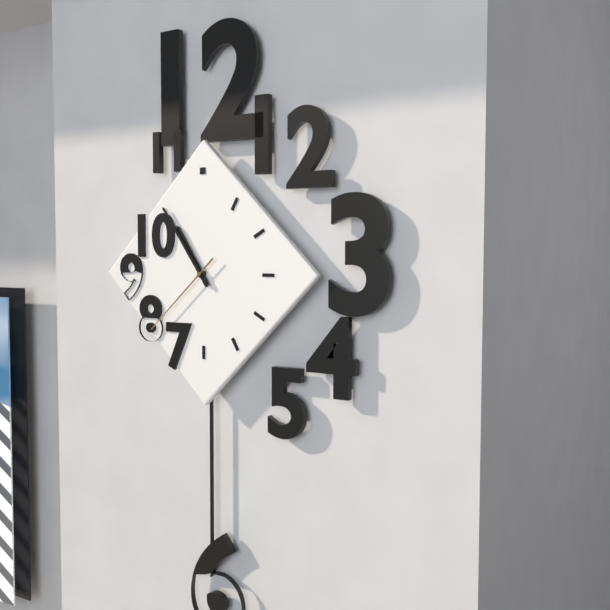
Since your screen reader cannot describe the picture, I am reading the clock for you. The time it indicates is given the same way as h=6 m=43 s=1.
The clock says h=10 m=54 s=38
